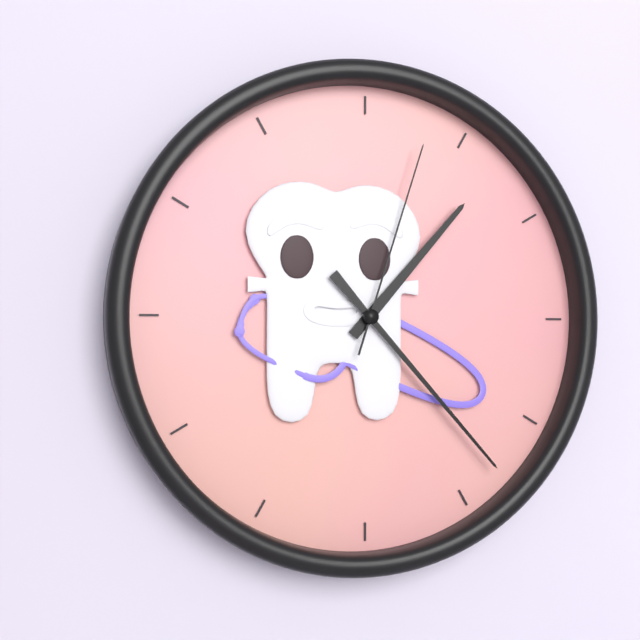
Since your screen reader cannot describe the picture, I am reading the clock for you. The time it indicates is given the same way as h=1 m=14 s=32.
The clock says h=1 m=23 s=3
